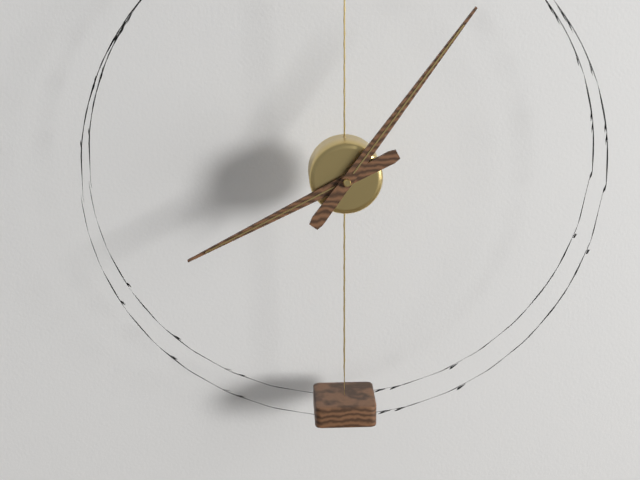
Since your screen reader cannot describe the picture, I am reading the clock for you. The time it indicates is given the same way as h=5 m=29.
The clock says h=8 m=6
